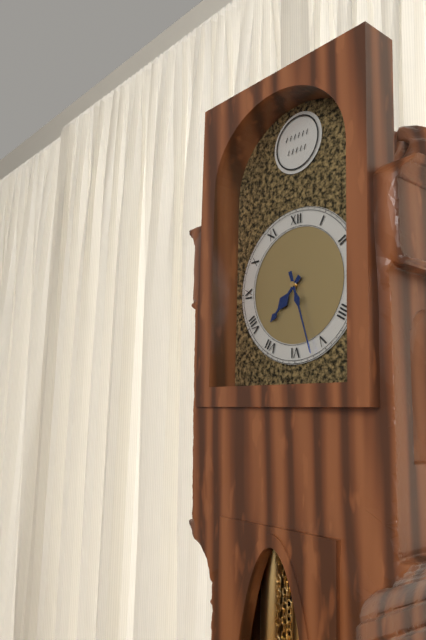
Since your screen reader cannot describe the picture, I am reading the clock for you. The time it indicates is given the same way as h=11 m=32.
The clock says h=7 m=27
